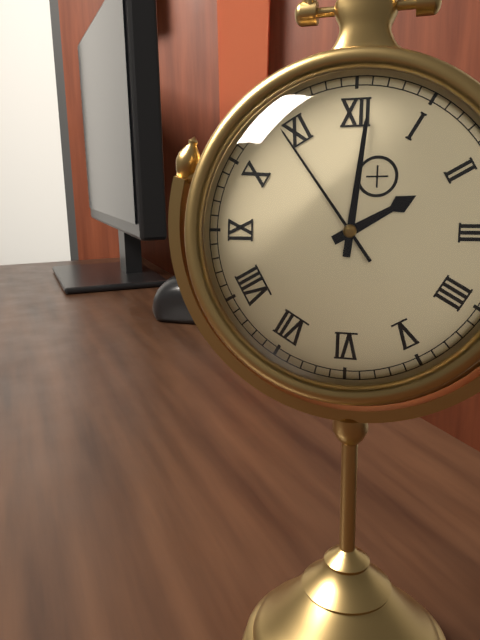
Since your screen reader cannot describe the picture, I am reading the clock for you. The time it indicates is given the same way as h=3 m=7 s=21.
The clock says h=2 m=1 s=54
